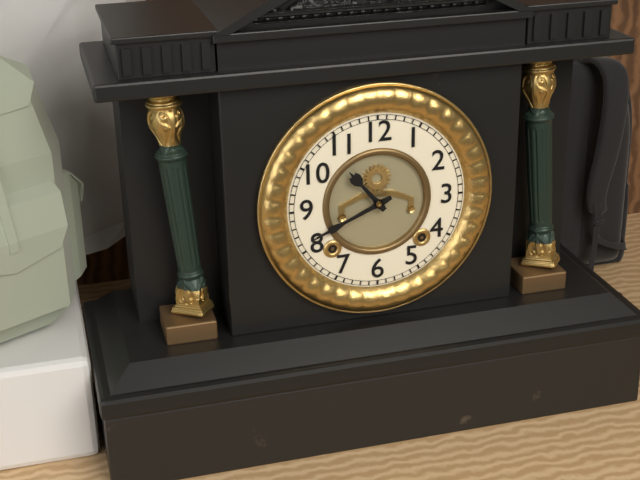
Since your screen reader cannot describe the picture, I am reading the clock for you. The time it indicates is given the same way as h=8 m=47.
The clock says h=10 m=41
